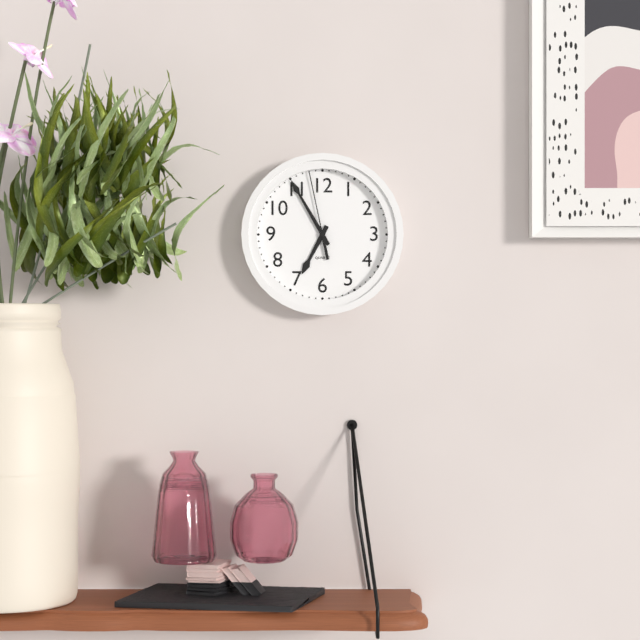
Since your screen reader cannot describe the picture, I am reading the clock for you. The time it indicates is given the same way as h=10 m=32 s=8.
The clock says h=6 m=55 s=58
